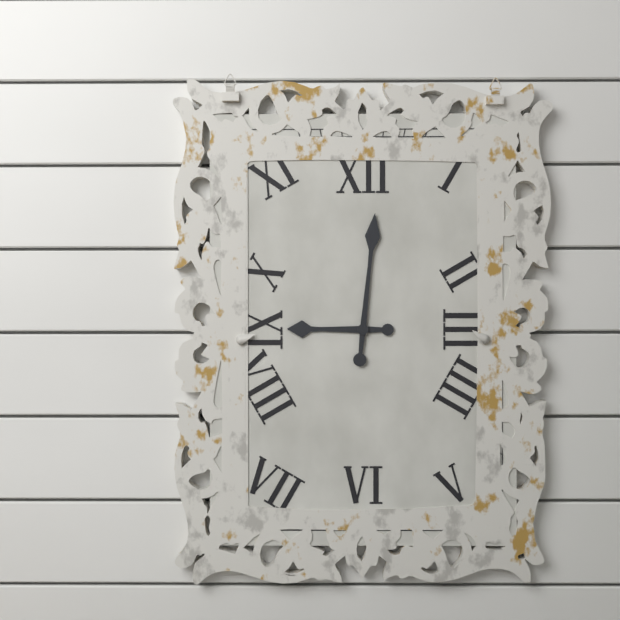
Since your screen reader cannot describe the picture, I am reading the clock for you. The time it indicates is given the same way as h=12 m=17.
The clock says h=9 m=1
